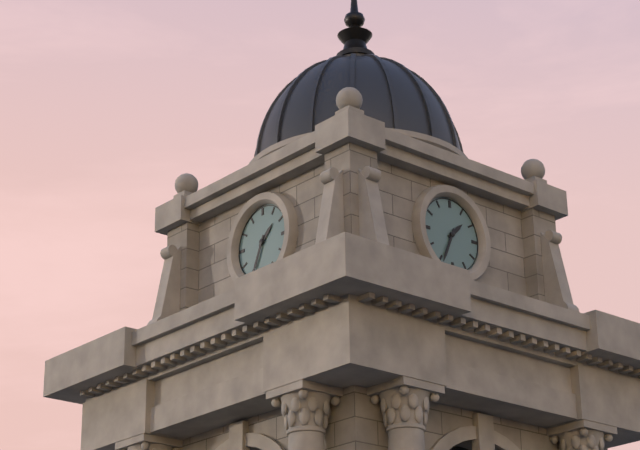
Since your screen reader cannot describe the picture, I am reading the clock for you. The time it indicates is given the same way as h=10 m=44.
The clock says h=1 m=34
